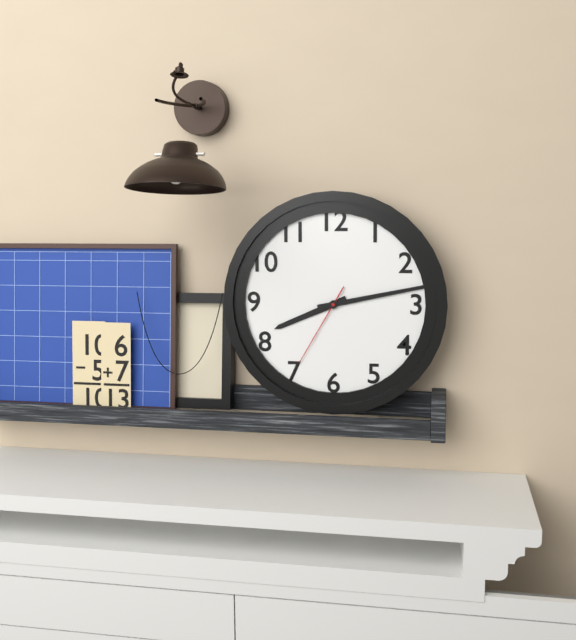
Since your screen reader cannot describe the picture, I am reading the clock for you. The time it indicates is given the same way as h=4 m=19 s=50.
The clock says h=8 m=13 s=35
